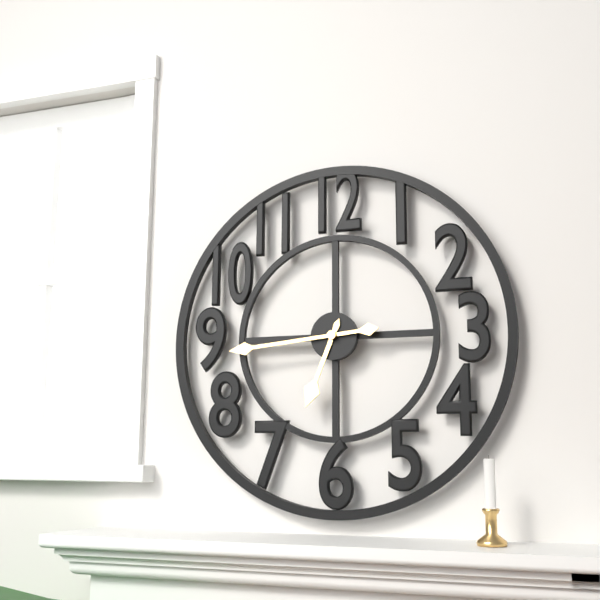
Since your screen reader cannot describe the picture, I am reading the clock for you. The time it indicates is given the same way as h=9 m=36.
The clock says h=6 m=44
